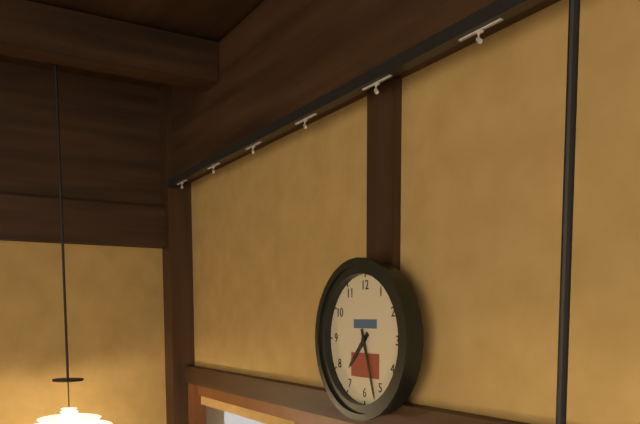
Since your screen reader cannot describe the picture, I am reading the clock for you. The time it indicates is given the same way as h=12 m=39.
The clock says h=7 m=27
